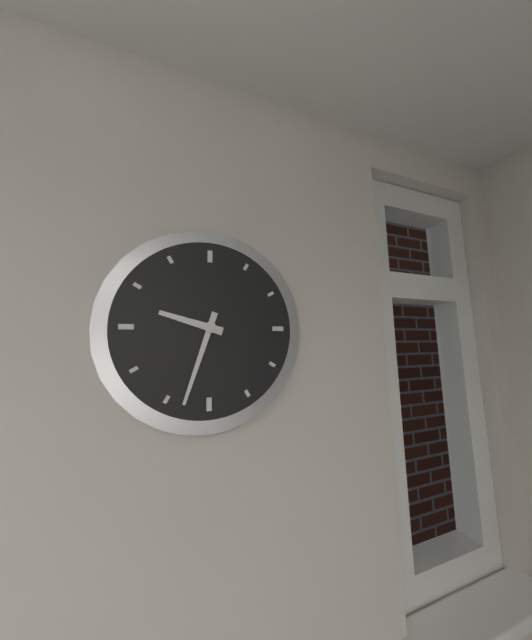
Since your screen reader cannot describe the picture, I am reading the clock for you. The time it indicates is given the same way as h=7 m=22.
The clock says h=9 m=33
